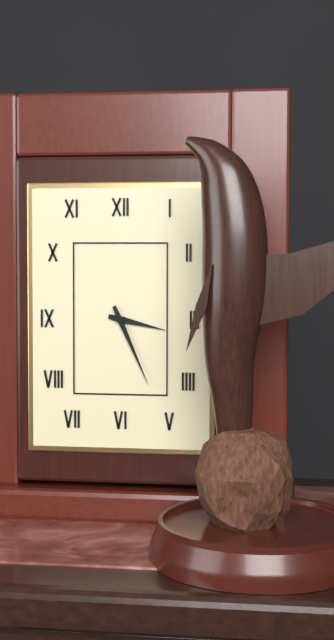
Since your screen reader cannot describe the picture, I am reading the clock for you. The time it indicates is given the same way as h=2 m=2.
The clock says h=3 m=26
